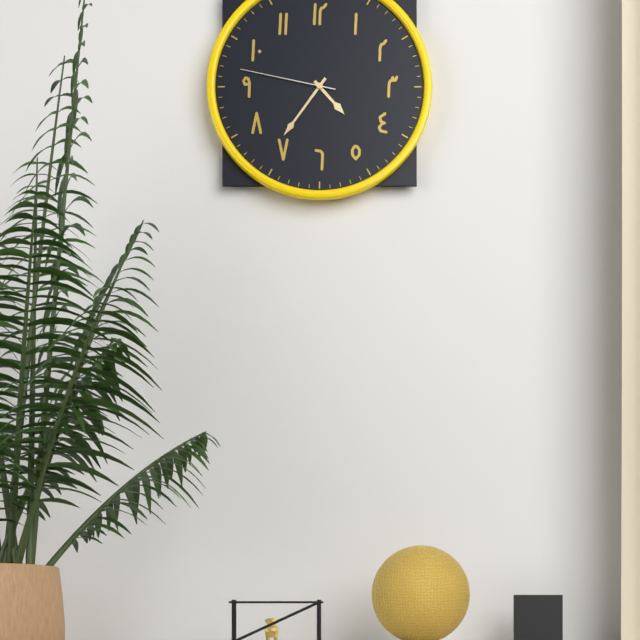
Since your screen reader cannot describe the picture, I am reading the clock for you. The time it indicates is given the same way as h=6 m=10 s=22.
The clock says h=4 m=36 s=47
